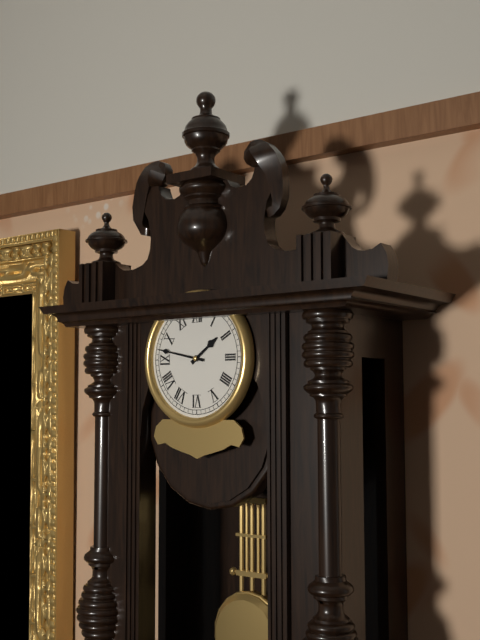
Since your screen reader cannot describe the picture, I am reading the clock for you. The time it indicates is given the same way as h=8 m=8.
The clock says h=1 m=47
